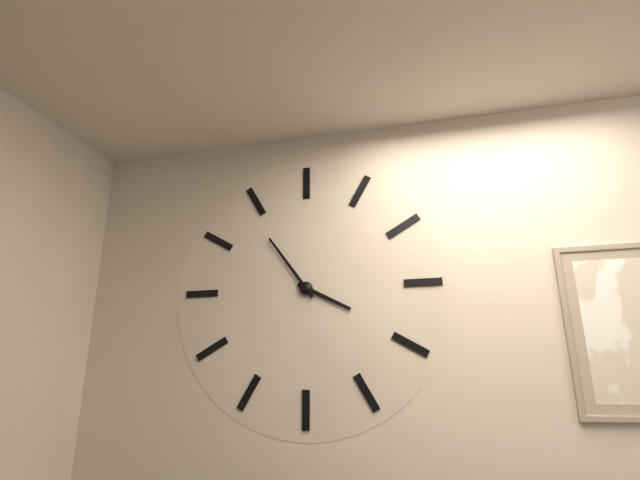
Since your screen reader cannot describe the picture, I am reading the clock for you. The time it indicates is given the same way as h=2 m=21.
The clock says h=3 m=54
